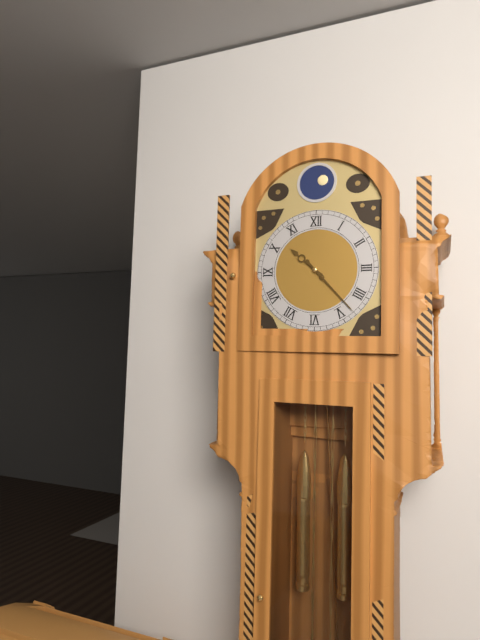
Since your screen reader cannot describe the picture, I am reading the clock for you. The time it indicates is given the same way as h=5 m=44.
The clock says h=10 m=23
